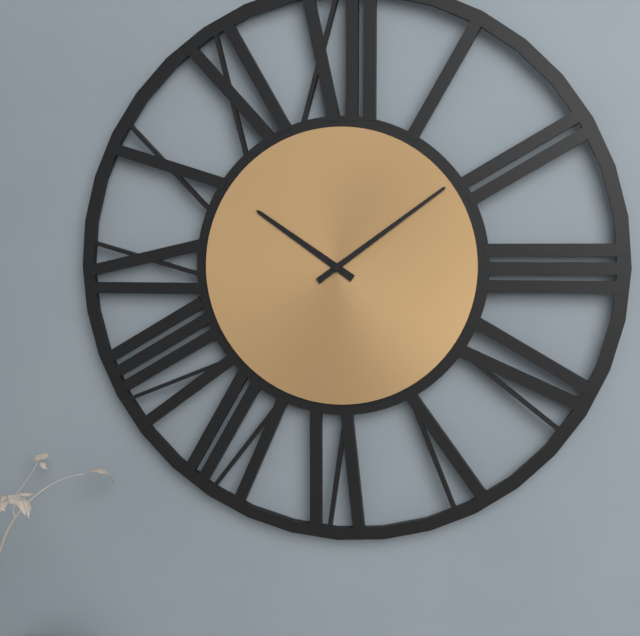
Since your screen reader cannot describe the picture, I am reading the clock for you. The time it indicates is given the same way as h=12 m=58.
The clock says h=10 m=9
